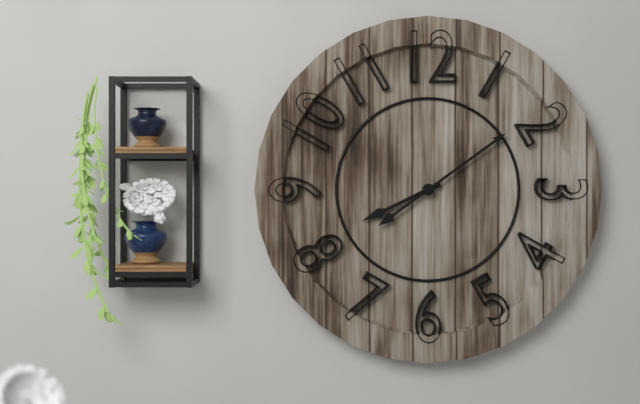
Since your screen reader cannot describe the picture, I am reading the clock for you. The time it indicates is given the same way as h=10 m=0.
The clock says h=8 m=9
